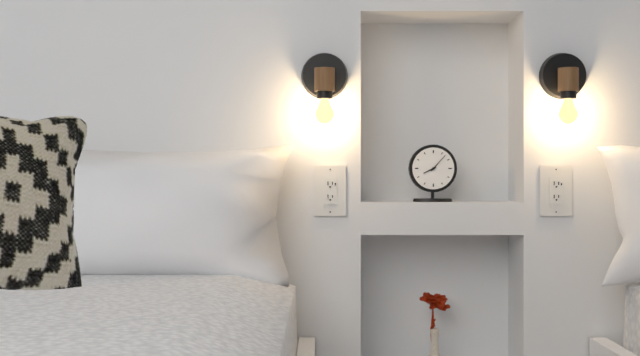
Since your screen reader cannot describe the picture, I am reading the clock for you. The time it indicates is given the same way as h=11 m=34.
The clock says h=8 m=7
